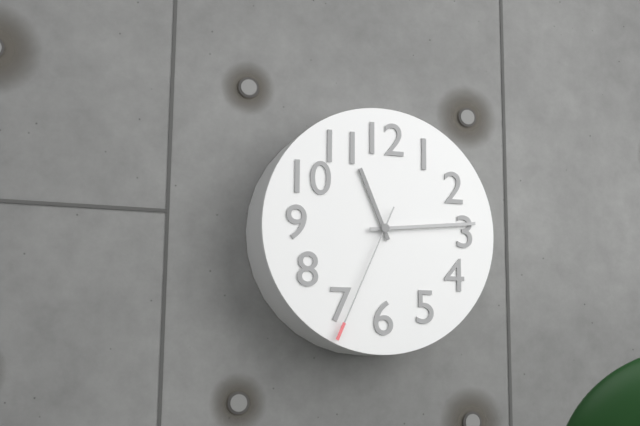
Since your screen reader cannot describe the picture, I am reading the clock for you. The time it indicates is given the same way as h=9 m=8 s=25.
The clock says h=11 m=14 s=34
